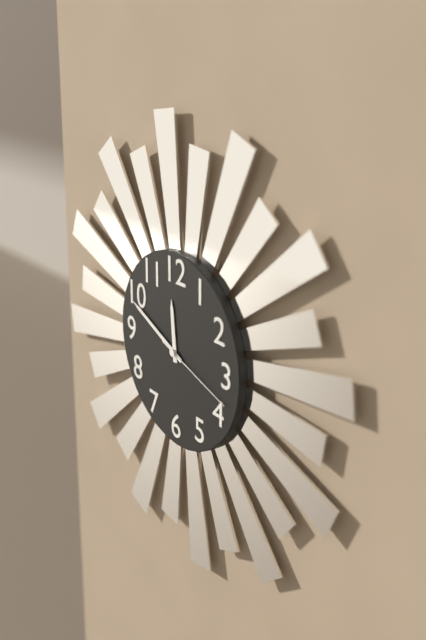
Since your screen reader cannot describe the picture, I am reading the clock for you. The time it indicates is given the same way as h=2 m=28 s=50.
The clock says h=11 m=49 s=18
